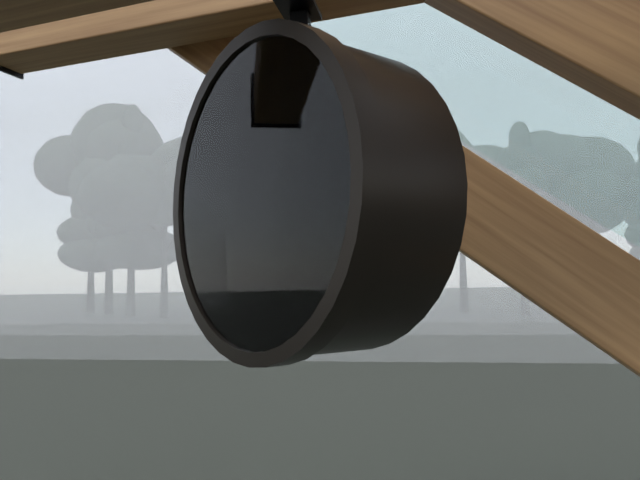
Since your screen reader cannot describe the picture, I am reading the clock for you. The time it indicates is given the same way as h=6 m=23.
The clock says h=8 m=21
